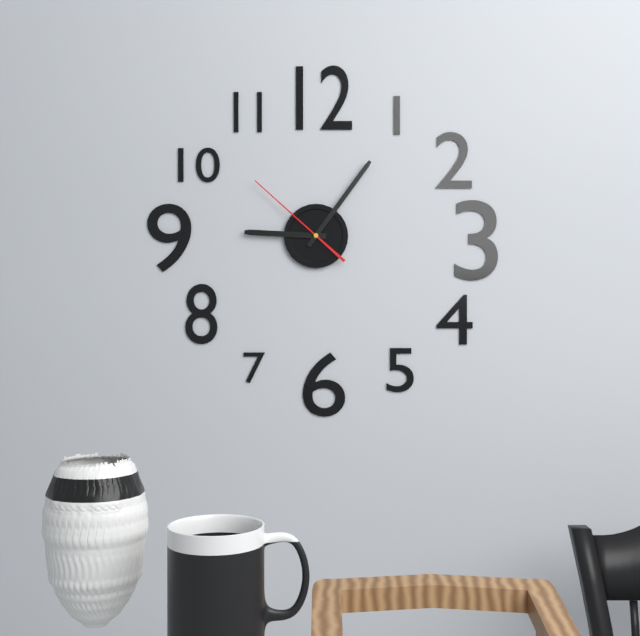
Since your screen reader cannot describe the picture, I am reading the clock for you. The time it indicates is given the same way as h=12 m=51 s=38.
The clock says h=9 m=6 s=52
